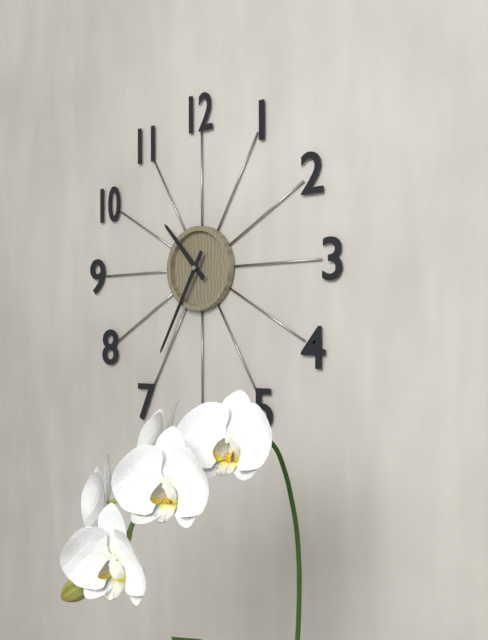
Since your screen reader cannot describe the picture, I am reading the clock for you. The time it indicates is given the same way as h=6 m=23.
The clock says h=10 m=35
